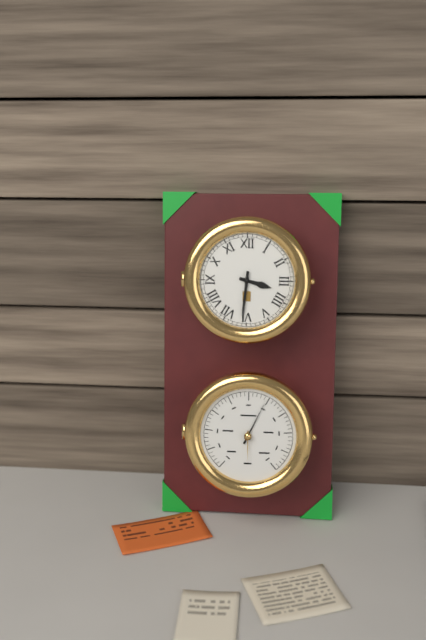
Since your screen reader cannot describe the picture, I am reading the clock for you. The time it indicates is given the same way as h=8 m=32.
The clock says h=3 m=31
